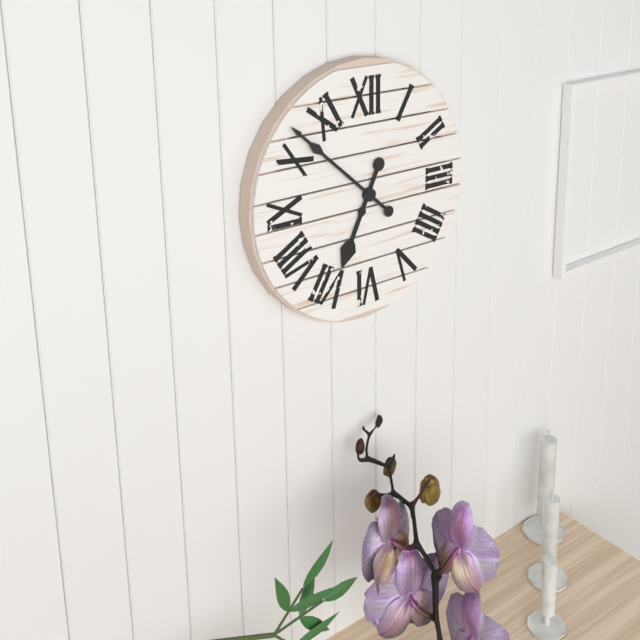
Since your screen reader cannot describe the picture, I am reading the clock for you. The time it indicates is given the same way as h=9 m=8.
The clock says h=6 m=52
